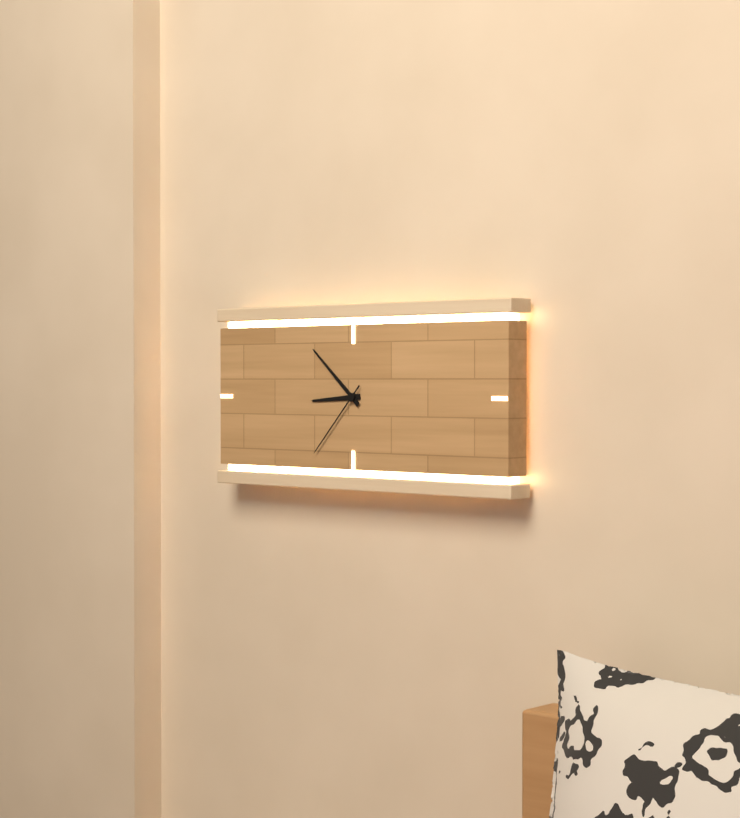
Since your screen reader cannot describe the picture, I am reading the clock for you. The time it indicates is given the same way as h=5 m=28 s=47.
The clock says h=8 m=52 s=37
